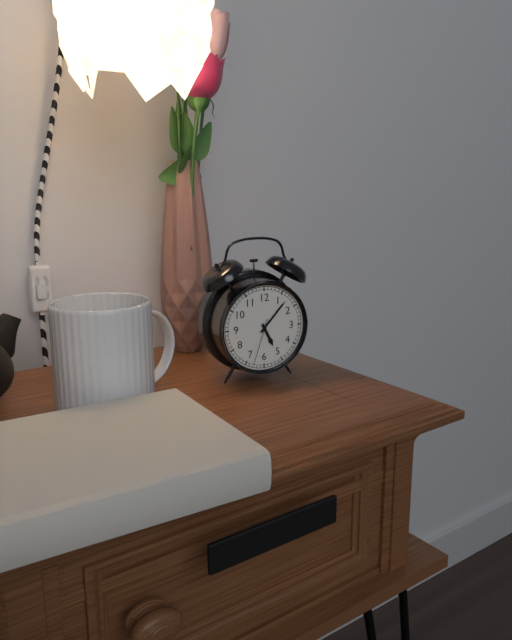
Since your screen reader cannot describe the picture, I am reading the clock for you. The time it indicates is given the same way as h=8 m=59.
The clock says h=5 m=7
